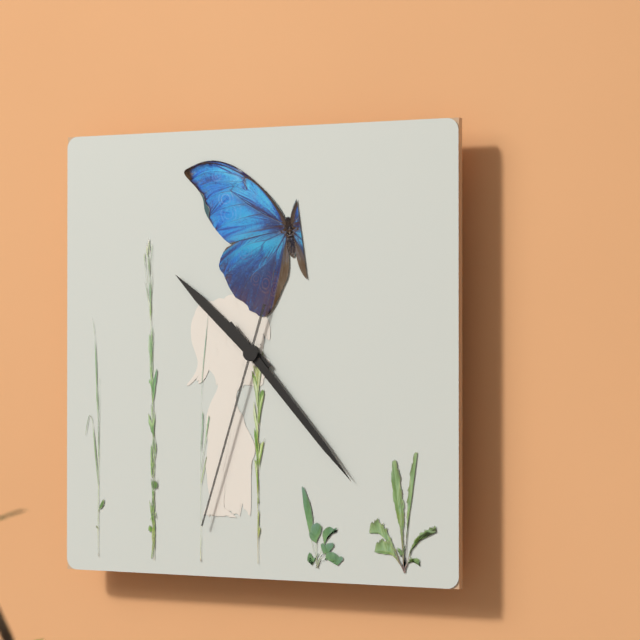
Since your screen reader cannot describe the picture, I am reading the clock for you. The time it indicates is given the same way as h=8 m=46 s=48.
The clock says h=10 m=23 s=33
